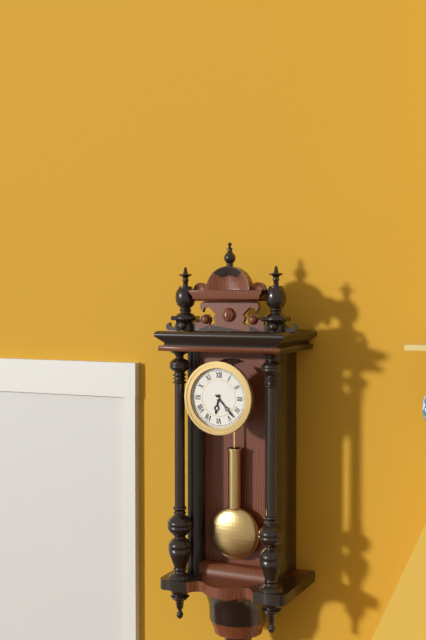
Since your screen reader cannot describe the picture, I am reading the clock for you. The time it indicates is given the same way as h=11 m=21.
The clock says h=6 m=23
